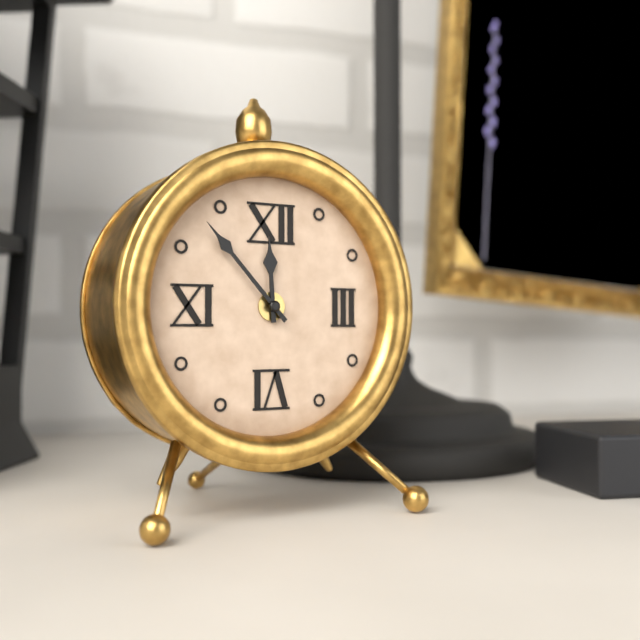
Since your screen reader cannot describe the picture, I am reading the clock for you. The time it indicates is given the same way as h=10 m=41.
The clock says h=11 m=53
